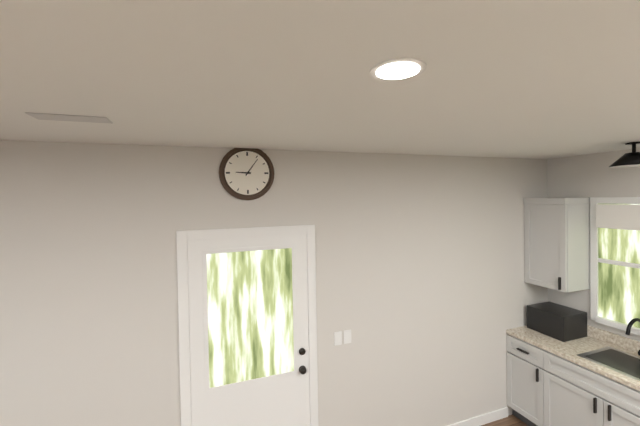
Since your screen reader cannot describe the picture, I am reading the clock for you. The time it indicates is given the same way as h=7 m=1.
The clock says h=9 m=6
